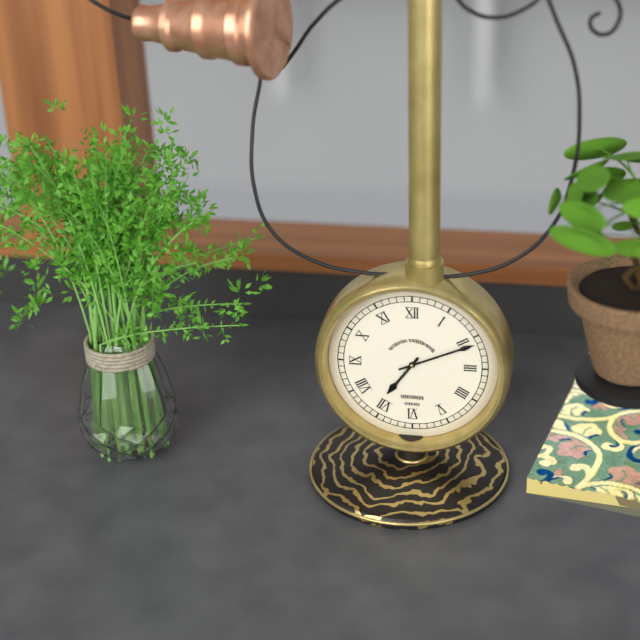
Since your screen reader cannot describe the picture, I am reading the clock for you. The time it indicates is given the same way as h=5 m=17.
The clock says h=7 m=11
